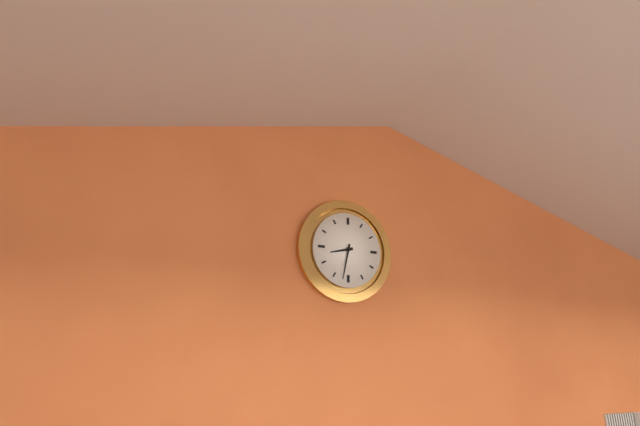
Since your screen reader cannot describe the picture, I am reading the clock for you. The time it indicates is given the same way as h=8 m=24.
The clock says h=8 m=32
